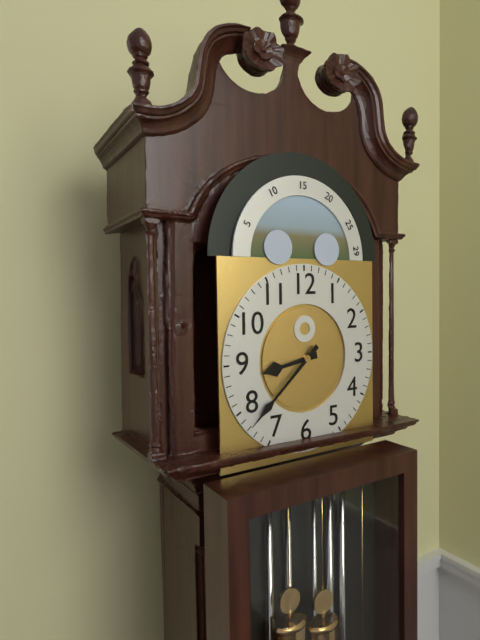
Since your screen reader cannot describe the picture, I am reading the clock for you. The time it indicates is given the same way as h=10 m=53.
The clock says h=8 m=38
